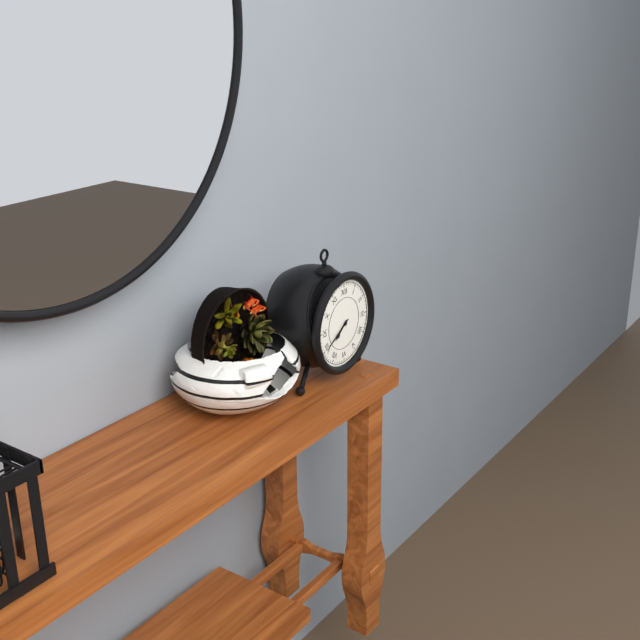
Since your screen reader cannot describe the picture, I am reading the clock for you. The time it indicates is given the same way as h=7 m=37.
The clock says h=7 m=40
